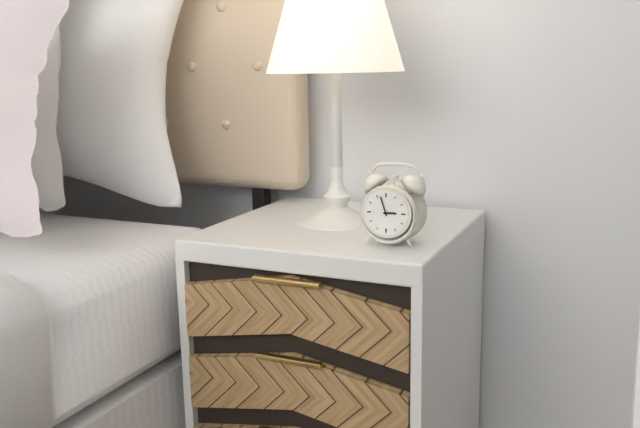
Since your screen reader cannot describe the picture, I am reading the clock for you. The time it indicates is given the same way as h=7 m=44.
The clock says h=2 m=57
